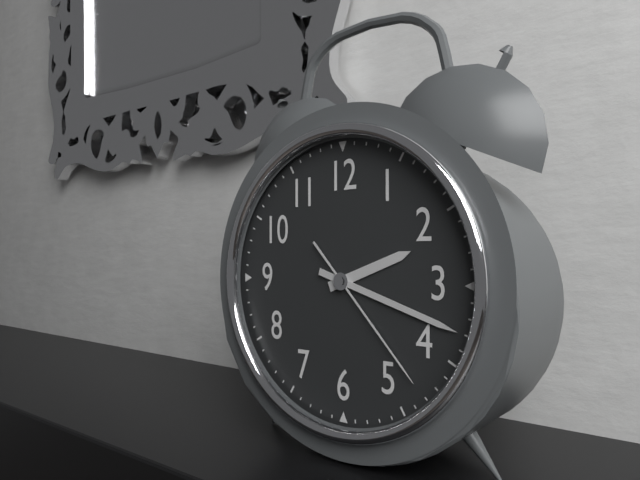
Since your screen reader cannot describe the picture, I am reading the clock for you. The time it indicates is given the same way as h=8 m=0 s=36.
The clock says h=2 m=18 s=23
